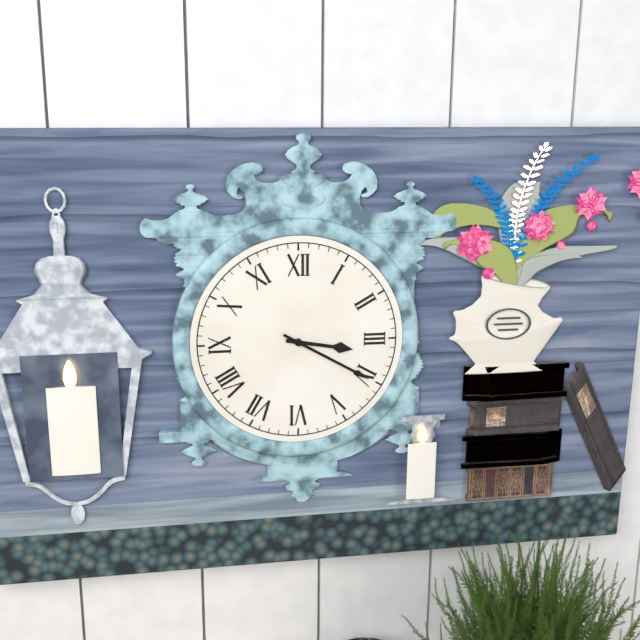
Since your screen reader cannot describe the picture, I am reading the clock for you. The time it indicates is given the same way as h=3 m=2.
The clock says h=3 m=20
